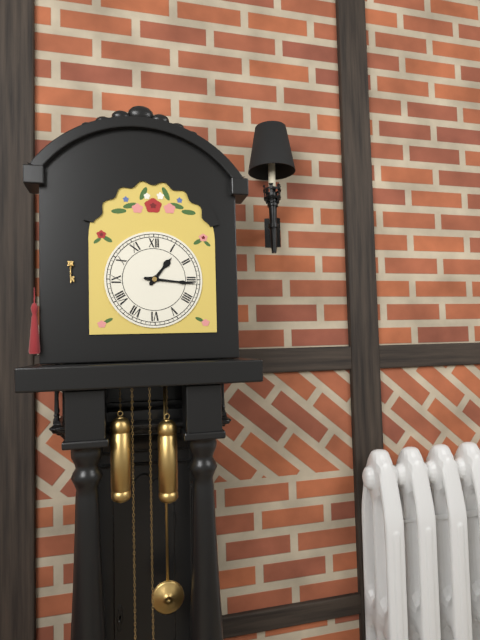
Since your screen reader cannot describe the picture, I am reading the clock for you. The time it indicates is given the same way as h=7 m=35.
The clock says h=1 m=16
